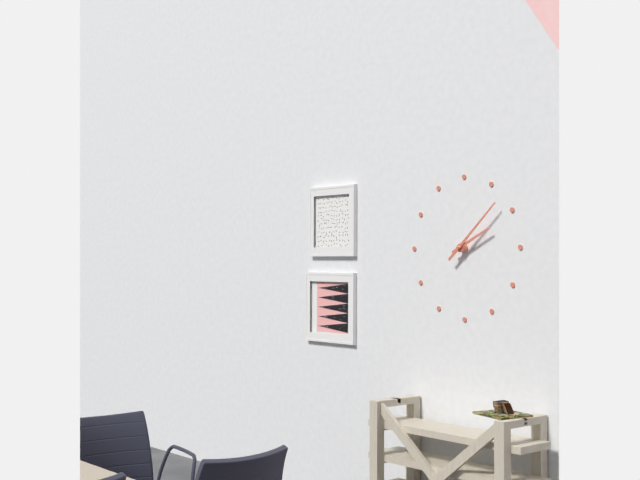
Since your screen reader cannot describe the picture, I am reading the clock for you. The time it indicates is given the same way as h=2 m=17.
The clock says h=2 m=8
